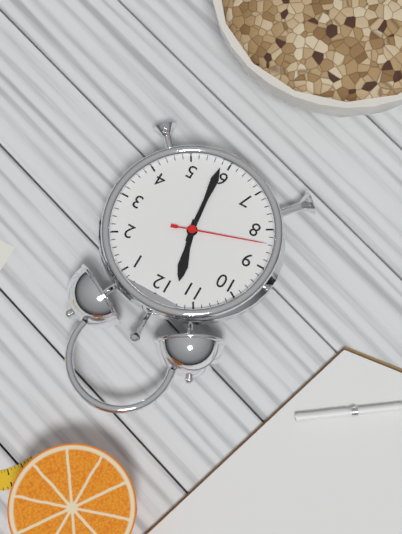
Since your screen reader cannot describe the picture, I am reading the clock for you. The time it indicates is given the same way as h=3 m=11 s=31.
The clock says h=11 m=29 s=42
